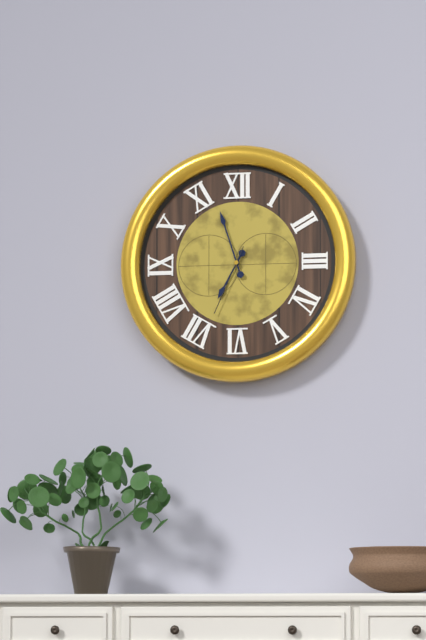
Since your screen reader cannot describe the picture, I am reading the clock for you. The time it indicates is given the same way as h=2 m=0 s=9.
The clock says h=6 m=57 s=34
